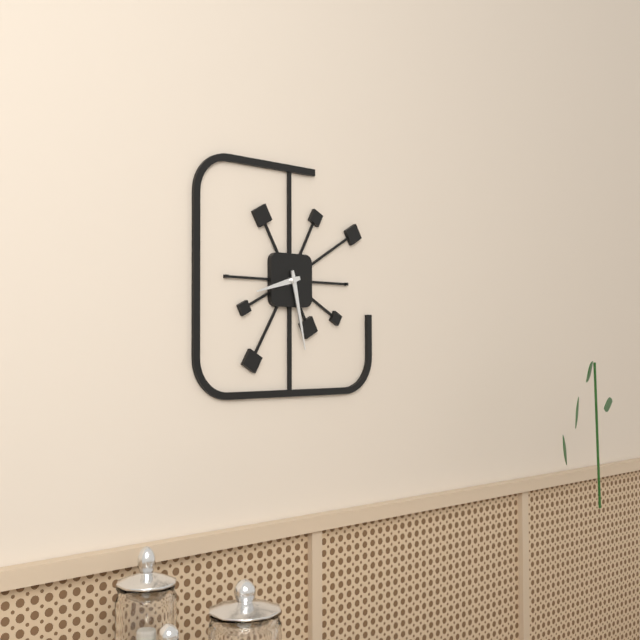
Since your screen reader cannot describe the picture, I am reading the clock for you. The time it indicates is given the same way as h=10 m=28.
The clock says h=8 m=28
